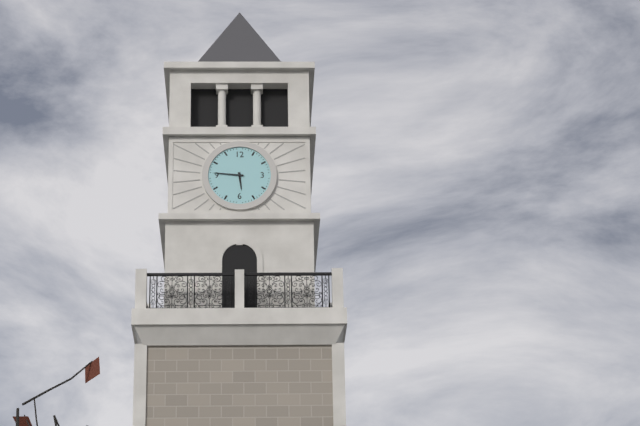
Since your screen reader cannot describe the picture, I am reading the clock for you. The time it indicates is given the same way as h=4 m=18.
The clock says h=5 m=46
